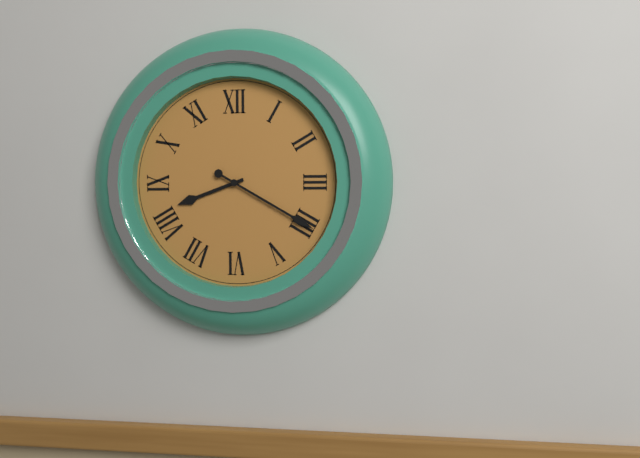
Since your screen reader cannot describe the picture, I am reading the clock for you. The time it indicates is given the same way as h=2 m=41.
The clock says h=8 m=20
